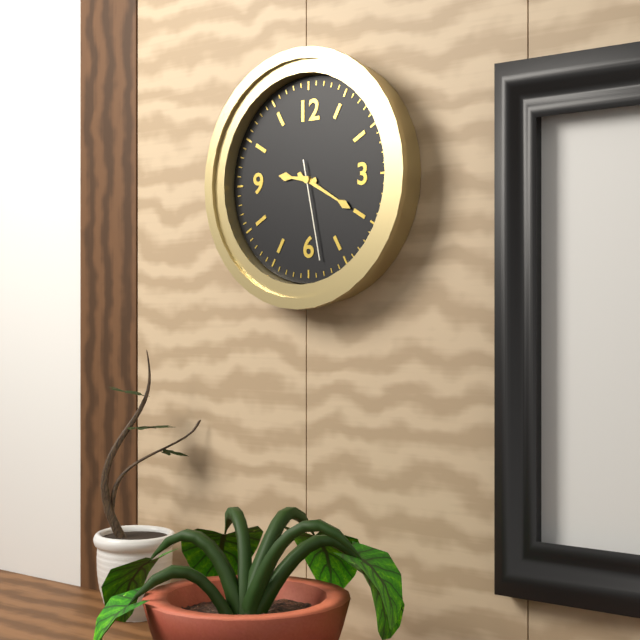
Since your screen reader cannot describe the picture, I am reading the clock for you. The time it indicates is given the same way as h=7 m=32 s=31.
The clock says h=9 m=20 s=28
